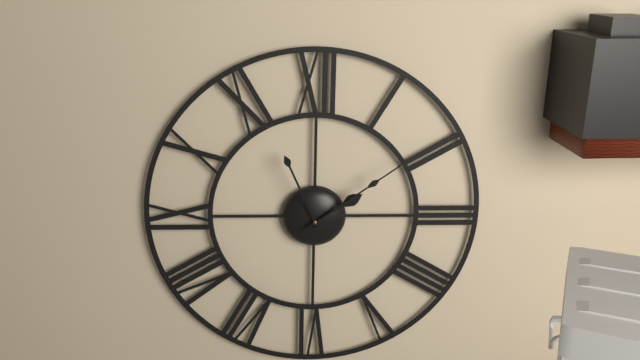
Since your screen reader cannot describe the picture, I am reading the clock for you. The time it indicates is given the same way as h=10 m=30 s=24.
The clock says h=1 m=56 s=9
